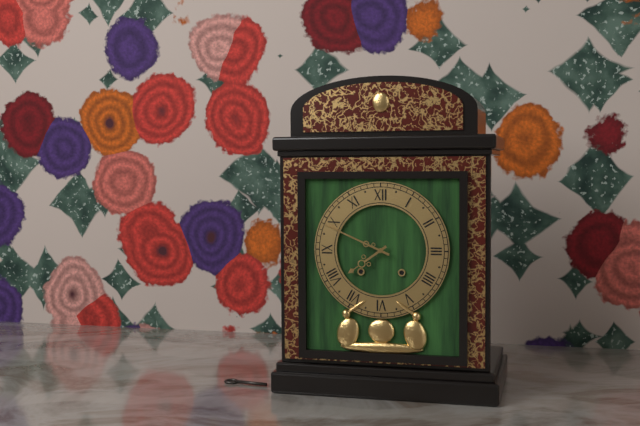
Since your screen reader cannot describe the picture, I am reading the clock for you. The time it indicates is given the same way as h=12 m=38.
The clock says h=7 m=49
